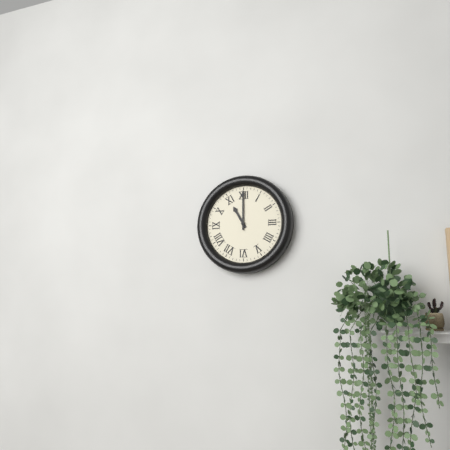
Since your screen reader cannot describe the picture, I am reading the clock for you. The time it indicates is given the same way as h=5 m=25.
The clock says h=11 m=0
